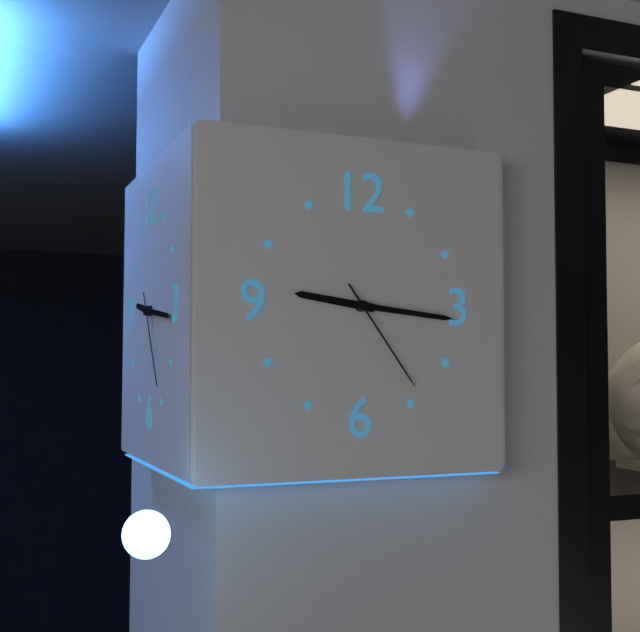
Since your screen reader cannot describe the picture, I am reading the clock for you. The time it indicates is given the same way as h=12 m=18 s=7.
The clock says h=9 m=16 s=24
